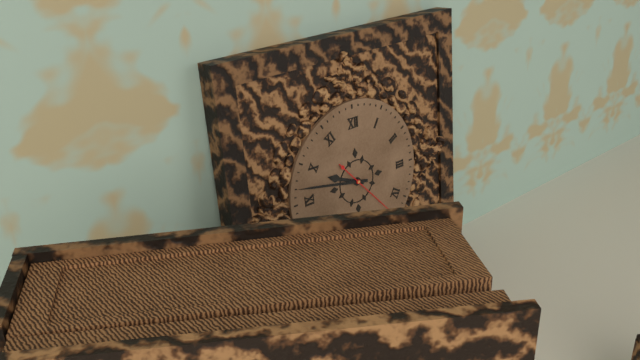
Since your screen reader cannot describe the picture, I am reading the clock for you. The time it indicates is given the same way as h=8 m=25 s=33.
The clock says h=9 m=47 s=23
